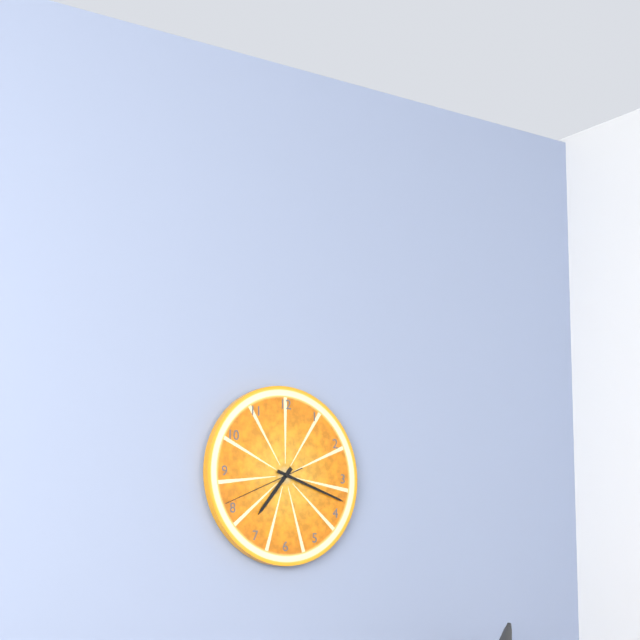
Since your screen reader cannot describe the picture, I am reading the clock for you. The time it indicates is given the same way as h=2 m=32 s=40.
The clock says h=7 m=18 s=41
